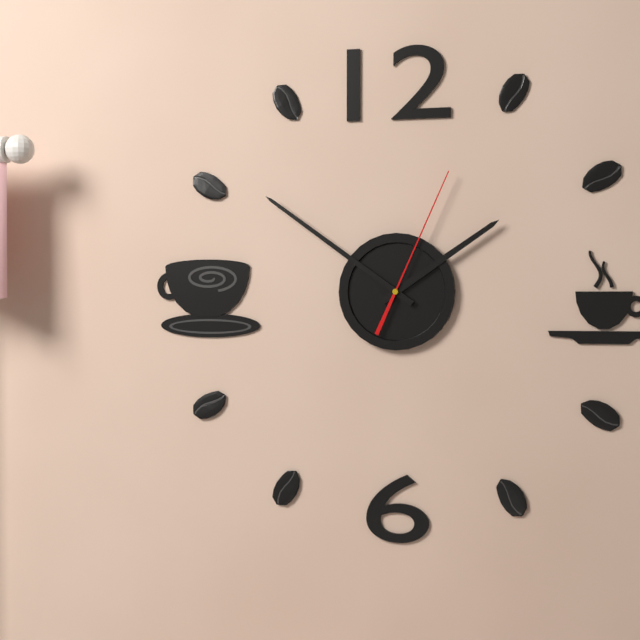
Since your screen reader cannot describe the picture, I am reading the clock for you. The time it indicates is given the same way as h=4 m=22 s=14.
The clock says h=1 m=51 s=4
